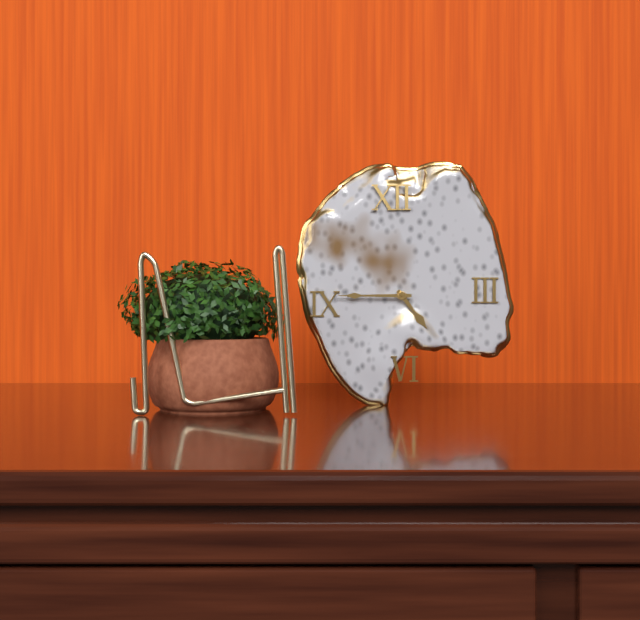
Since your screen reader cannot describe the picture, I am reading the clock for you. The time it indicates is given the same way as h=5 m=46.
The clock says h=4 m=45
